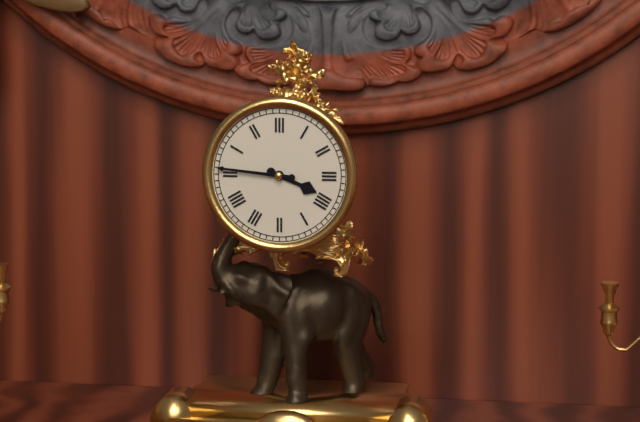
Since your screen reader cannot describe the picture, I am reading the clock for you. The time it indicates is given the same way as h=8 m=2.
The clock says h=3 m=46
